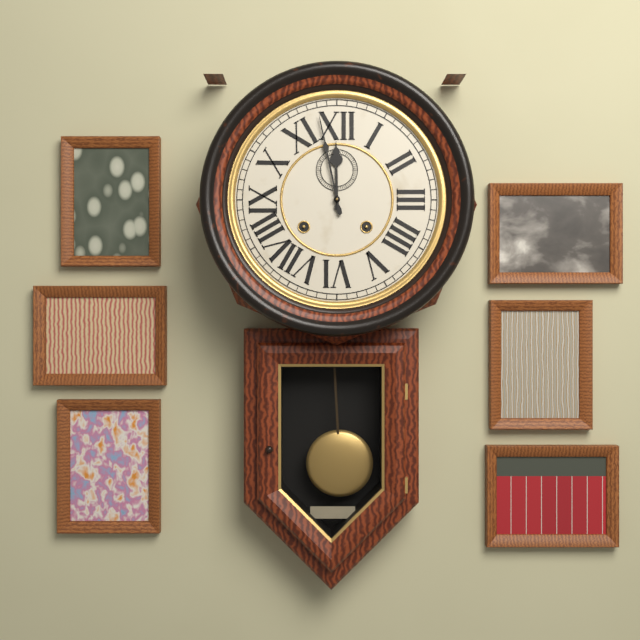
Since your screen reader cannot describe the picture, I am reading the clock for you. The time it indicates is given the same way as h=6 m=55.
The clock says h=11 m=58
